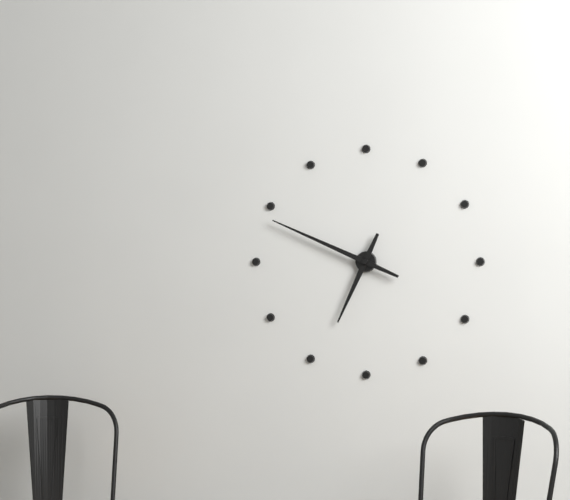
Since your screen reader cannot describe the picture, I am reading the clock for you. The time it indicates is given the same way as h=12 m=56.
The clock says h=6 m=49
